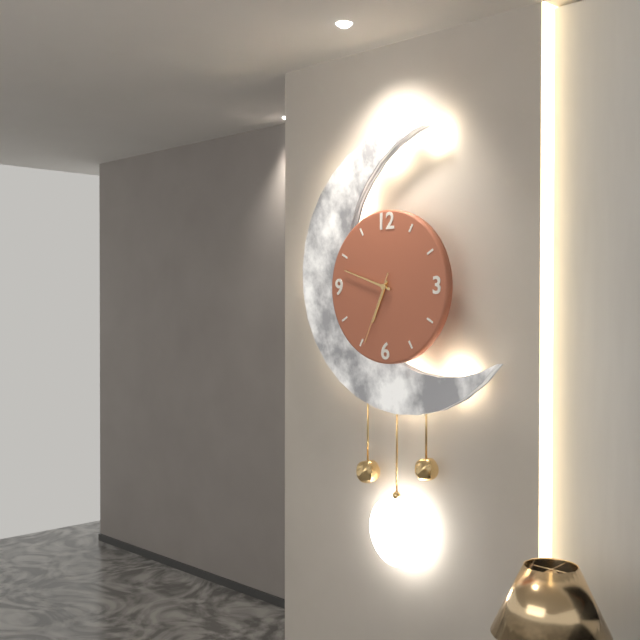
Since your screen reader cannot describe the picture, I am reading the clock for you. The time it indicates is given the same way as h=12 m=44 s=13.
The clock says h=6 m=48 s=34
